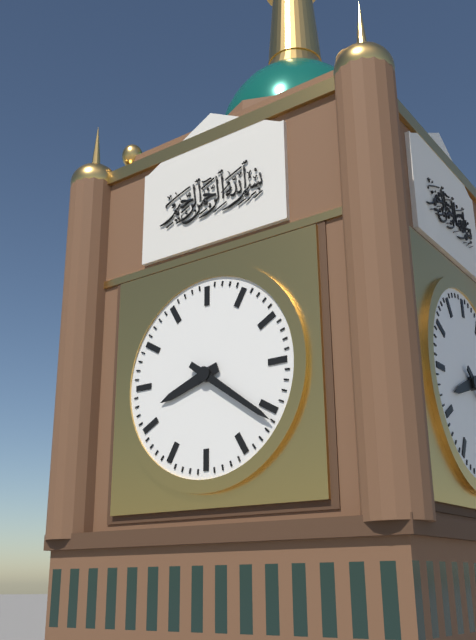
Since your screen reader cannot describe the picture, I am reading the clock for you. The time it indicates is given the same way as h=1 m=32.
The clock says h=8 m=21
